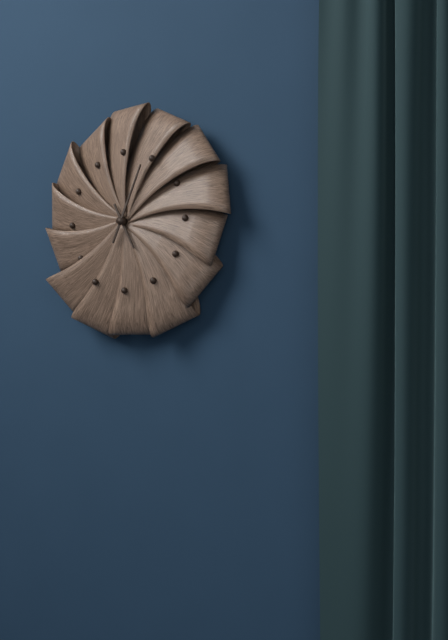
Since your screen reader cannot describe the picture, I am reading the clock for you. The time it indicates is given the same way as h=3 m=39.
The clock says h=5 m=4
